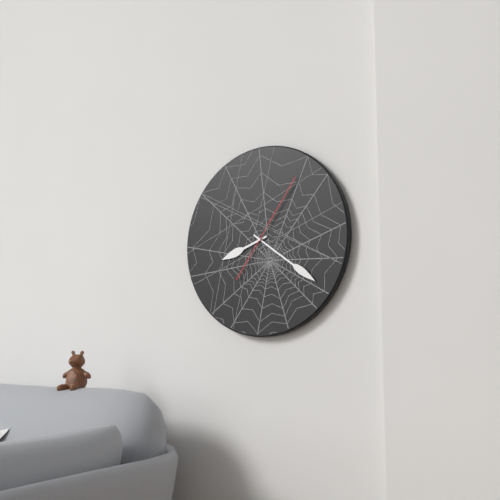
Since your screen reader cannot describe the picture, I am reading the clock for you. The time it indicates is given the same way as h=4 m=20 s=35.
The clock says h=8 m=21 s=6
